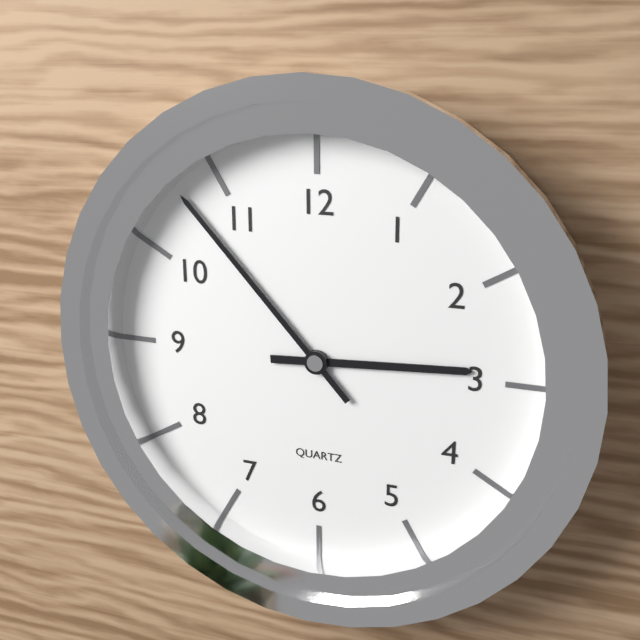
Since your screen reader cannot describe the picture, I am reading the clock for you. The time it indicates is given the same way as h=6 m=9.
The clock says h=2 m=53
